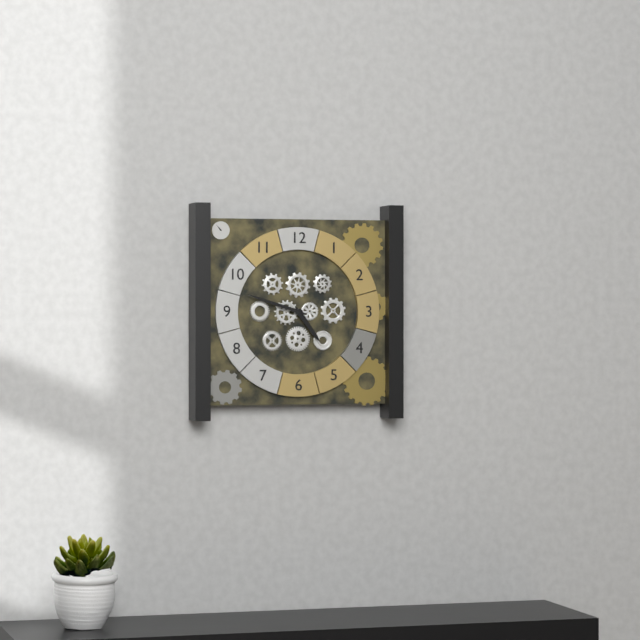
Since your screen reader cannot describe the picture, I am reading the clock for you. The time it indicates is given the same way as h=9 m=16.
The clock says h=4 m=48
